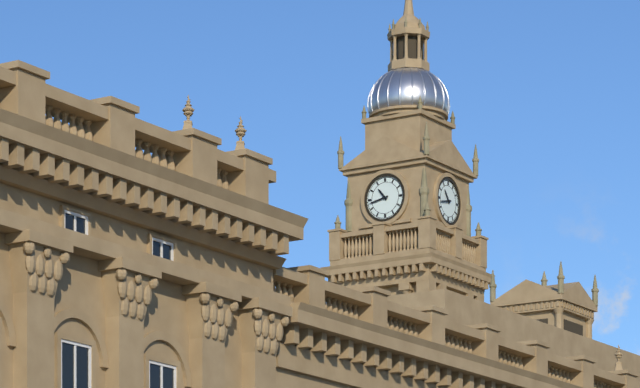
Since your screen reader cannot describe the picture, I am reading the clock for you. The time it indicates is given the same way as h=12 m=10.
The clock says h=10 m=43
